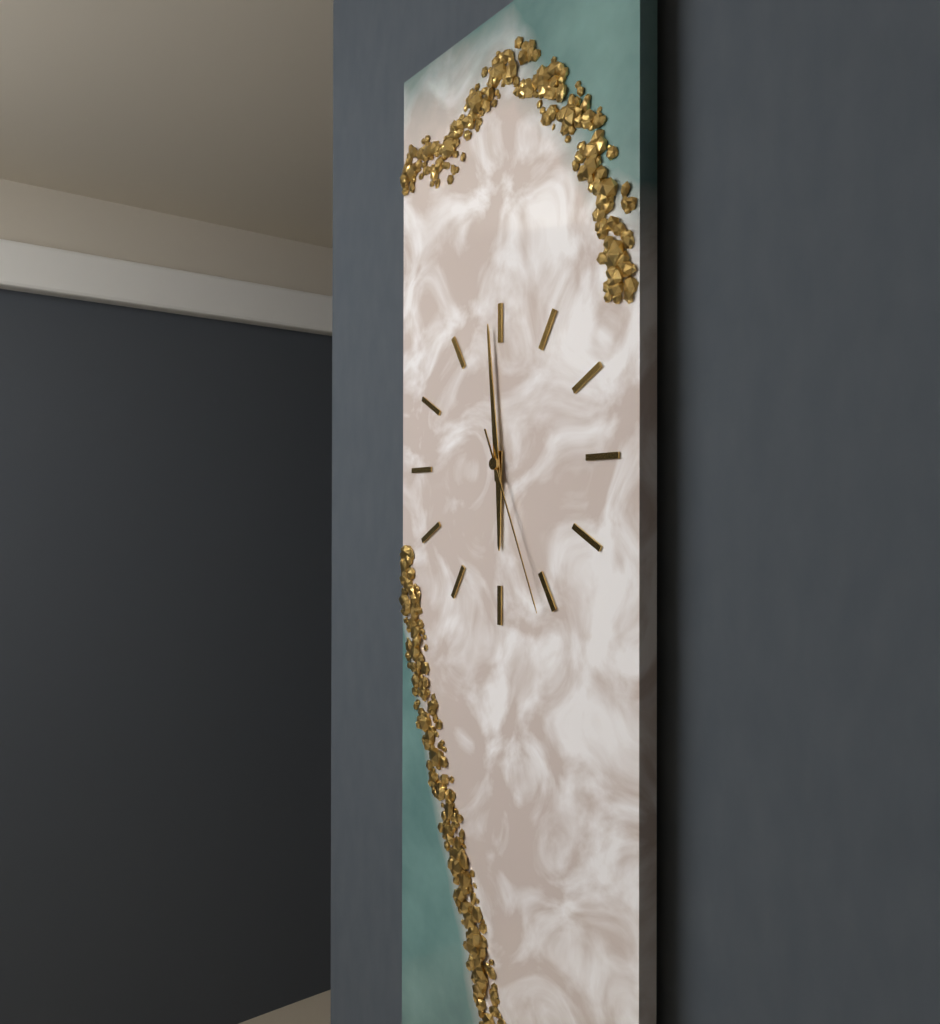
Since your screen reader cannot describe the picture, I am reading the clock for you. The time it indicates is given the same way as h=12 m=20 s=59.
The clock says h=5 m=59 s=26
